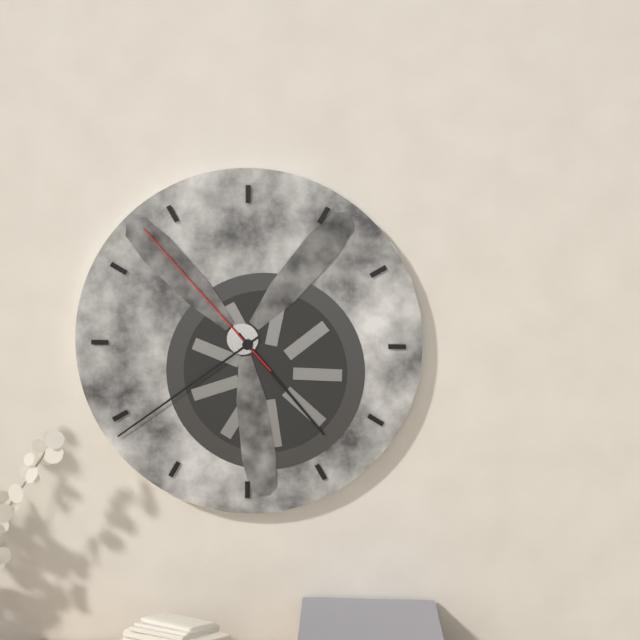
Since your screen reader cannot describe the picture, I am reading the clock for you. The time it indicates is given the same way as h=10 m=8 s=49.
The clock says h=4 m=39 s=53
